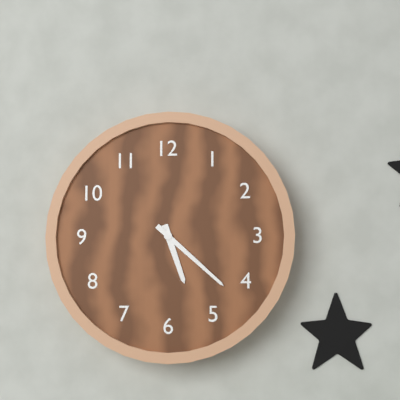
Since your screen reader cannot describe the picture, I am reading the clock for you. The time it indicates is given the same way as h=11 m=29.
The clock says h=5 m=22
